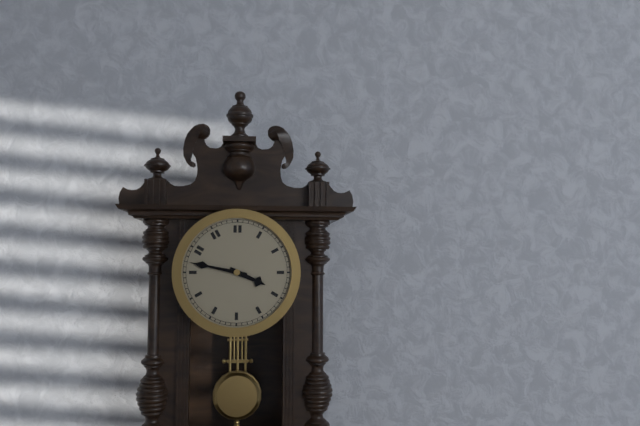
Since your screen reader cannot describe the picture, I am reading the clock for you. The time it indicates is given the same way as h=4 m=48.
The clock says h=3 m=47
